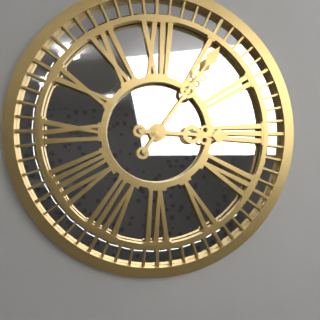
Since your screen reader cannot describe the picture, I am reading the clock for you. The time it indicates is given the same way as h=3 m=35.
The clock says h=3 m=6
